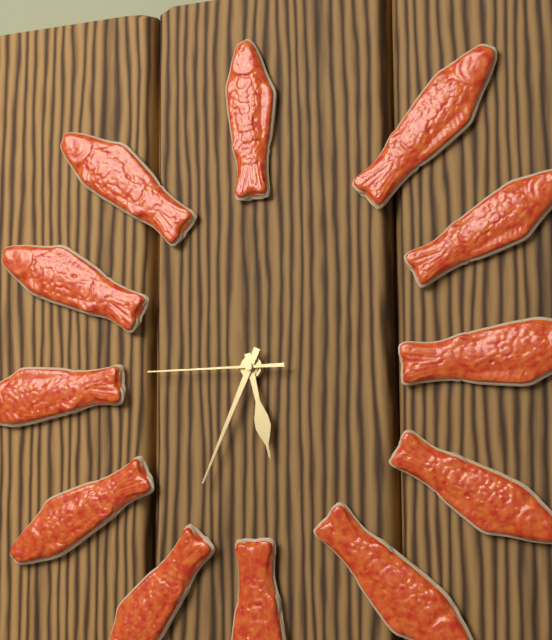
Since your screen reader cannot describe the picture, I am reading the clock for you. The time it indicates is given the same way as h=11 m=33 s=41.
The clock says h=5 m=34 s=45
